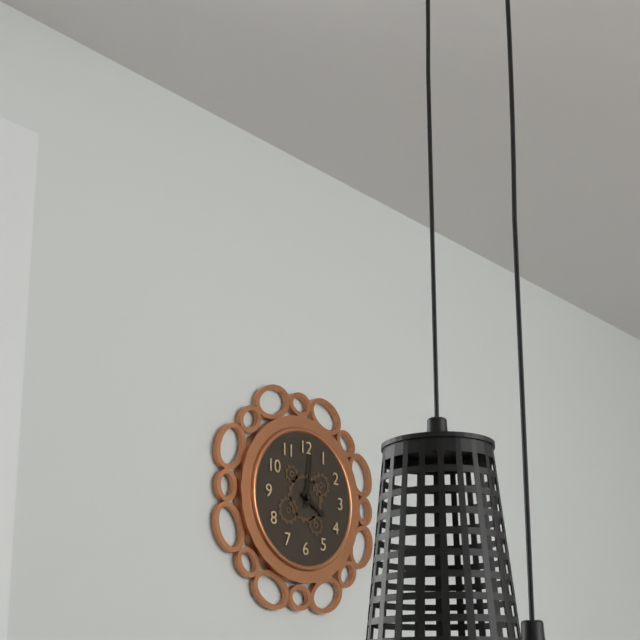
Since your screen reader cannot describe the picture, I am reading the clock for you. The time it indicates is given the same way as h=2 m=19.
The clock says h=4 m=1
